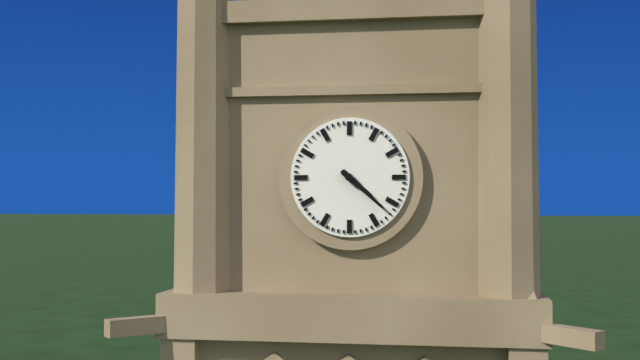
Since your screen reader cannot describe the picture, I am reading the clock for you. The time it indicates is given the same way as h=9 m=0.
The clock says h=4 m=22
